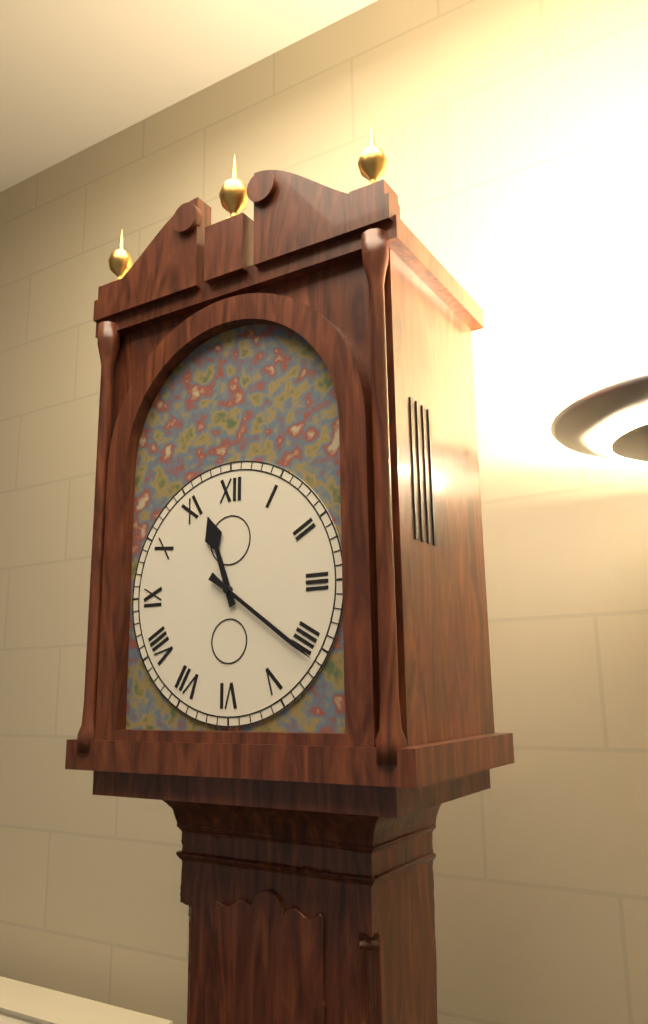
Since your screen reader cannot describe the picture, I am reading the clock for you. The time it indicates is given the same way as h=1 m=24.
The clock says h=11 m=21
